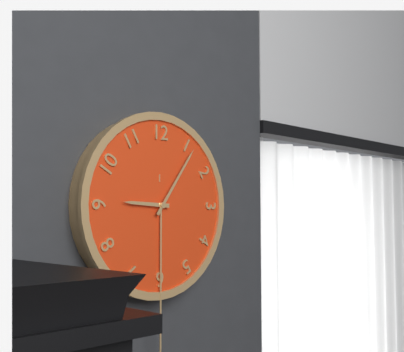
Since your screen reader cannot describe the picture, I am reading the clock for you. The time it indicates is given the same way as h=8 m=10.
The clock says h=9 m=6
